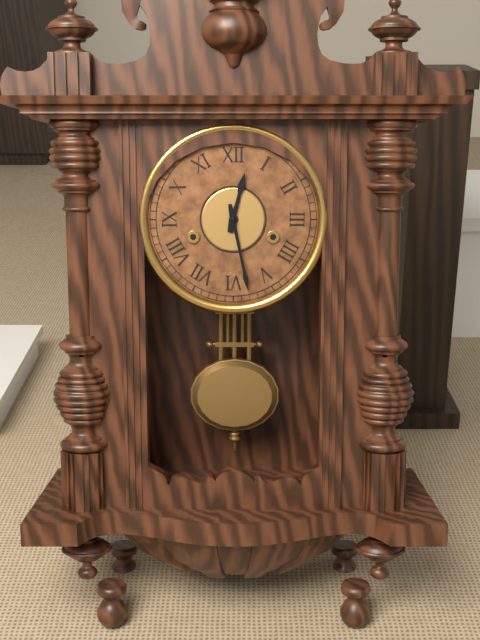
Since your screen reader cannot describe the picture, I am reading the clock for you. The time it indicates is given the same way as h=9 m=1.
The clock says h=12 m=28
